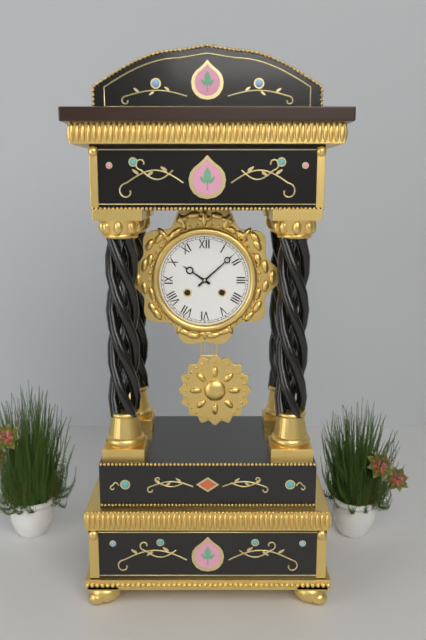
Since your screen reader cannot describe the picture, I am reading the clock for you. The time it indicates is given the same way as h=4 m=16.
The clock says h=10 m=8
